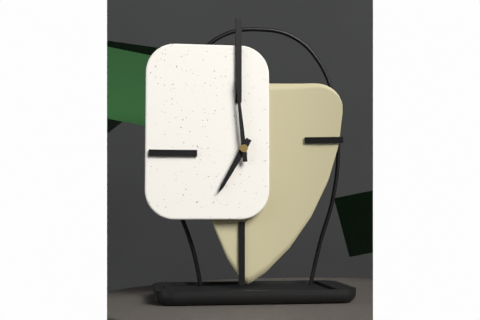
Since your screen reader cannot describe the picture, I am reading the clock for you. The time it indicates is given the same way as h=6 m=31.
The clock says h=6 m=59
